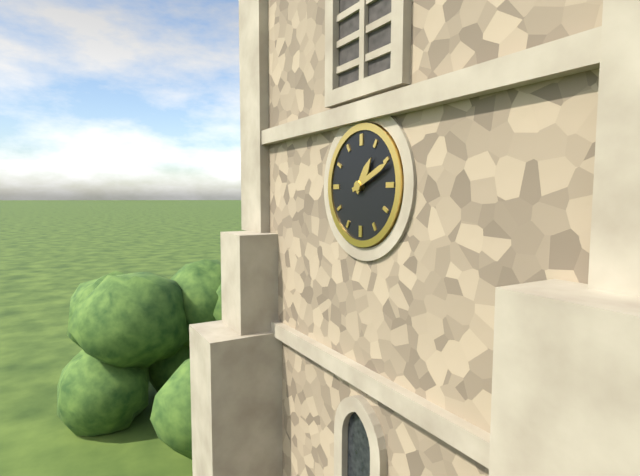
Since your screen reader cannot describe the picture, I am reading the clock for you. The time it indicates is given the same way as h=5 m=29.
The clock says h=1 m=11
